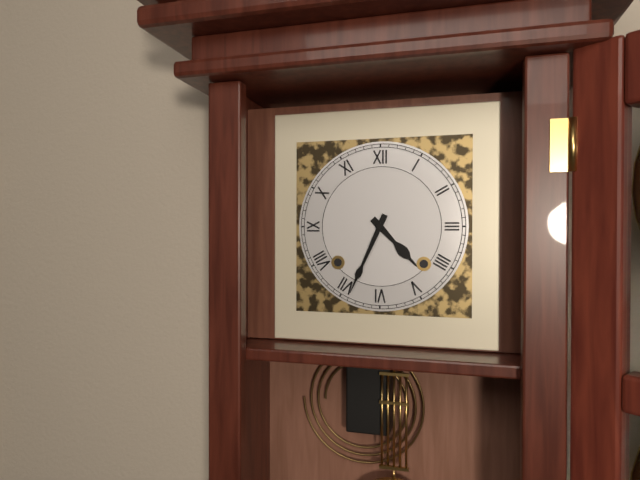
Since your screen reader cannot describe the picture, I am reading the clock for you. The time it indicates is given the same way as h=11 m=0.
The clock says h=4 m=34
